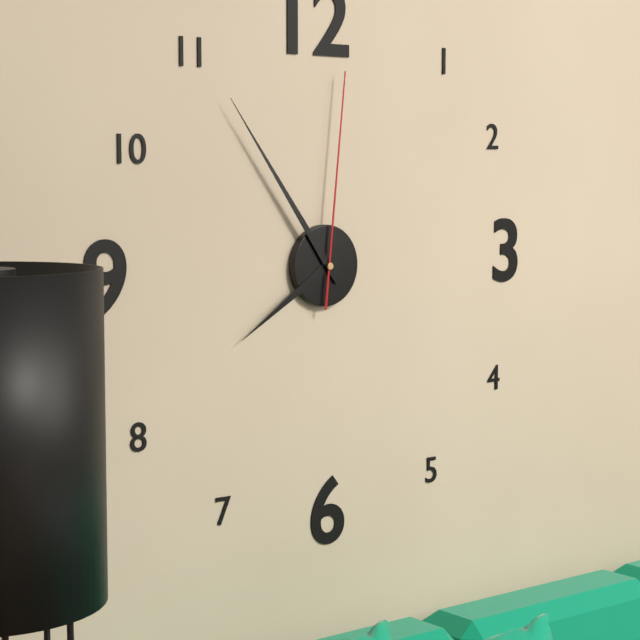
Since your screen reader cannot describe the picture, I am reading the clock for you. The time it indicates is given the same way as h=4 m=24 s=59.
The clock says h=7 m=54 s=1
